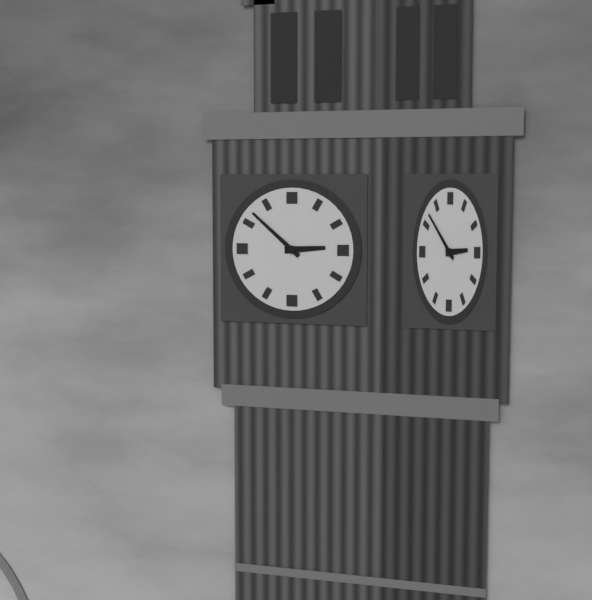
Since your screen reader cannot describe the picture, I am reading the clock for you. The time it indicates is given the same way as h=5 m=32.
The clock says h=2 m=52
